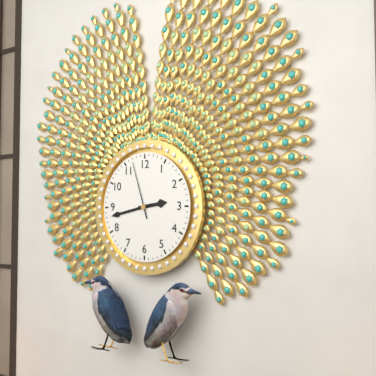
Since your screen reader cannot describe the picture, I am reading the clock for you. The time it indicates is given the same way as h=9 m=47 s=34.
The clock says h=2 m=43 s=57
